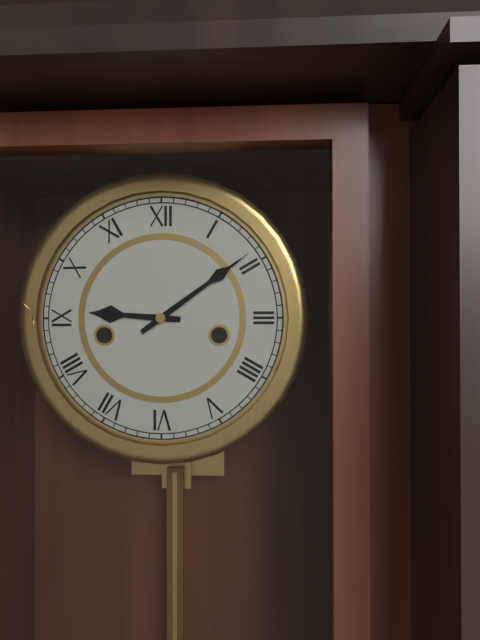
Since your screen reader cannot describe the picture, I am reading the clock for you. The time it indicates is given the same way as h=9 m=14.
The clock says h=9 m=9
